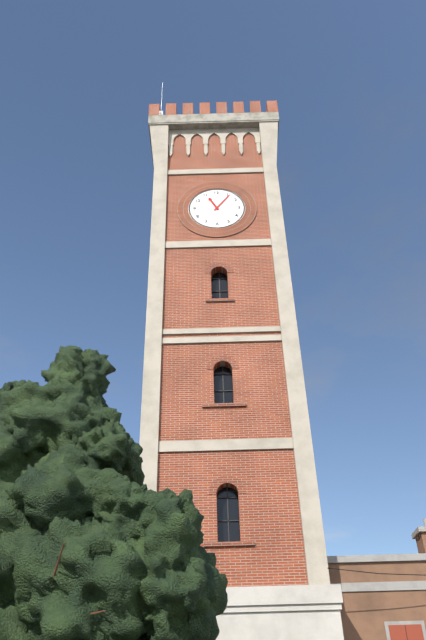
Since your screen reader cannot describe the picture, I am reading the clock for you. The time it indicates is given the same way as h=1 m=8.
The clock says h=11 m=6
